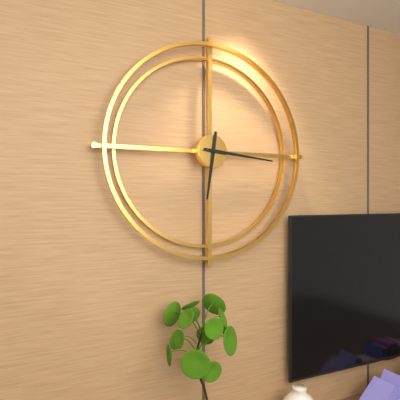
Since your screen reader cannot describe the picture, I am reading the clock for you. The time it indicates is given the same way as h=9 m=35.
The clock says h=6 m=16
